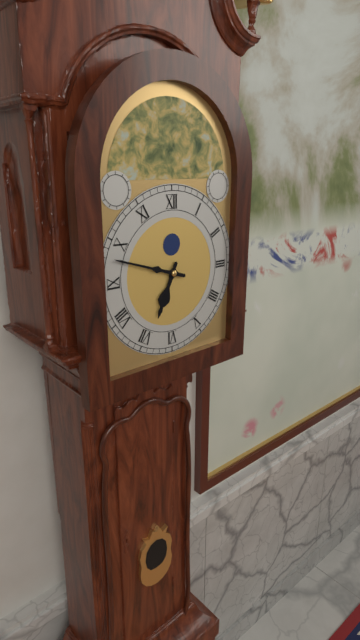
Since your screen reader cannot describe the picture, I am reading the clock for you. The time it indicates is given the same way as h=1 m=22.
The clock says h=6 m=48
